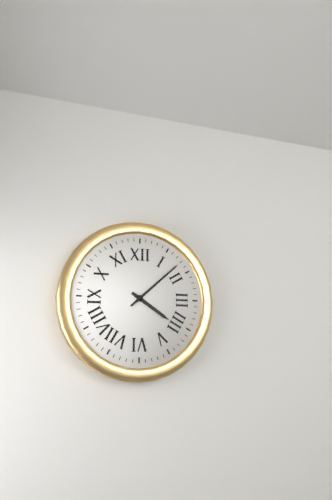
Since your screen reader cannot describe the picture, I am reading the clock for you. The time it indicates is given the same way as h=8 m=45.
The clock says h=4 m=8
